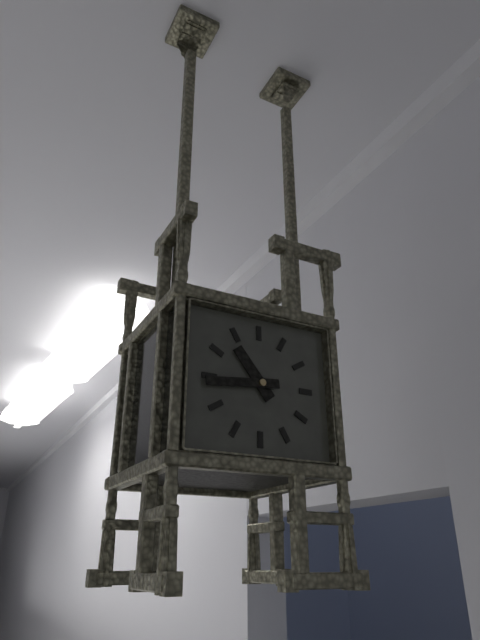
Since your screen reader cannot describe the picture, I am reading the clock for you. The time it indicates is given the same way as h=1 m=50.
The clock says h=10 m=44
